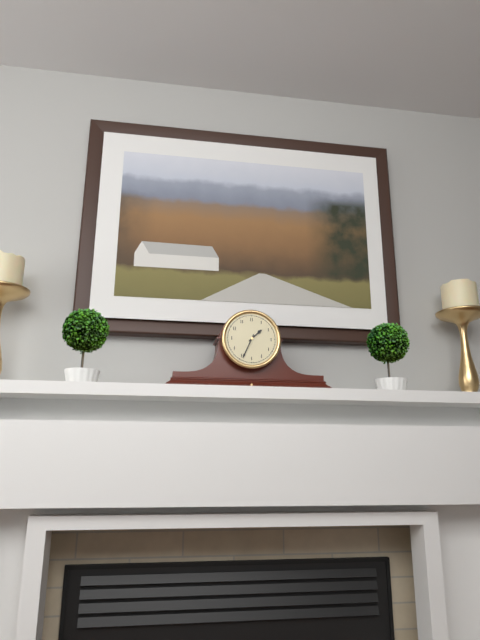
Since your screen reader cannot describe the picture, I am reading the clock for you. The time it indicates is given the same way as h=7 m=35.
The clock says h=1 m=34
